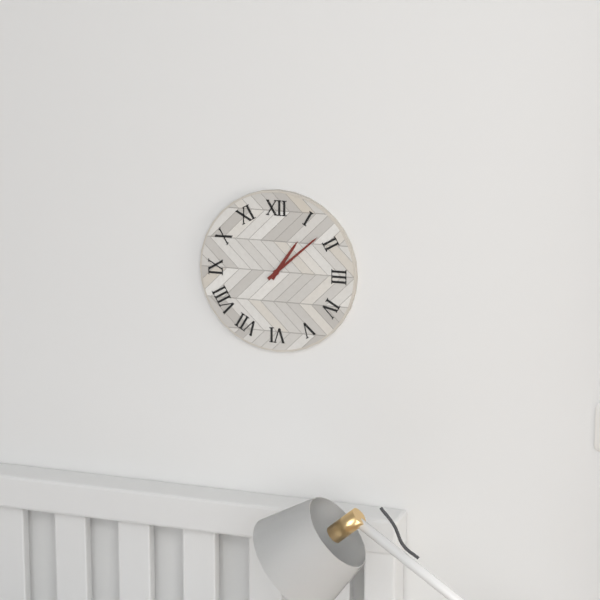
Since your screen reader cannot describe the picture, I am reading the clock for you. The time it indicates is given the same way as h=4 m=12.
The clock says h=1 m=8
